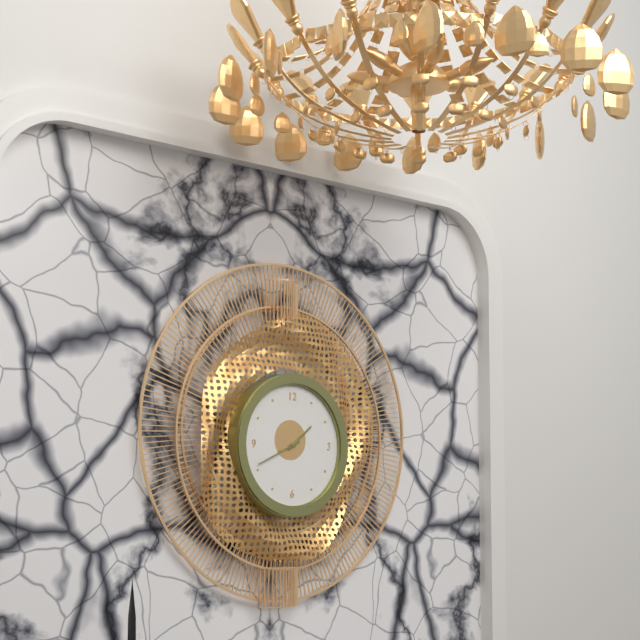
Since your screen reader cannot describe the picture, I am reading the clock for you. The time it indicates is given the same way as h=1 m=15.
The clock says h=1 m=41
